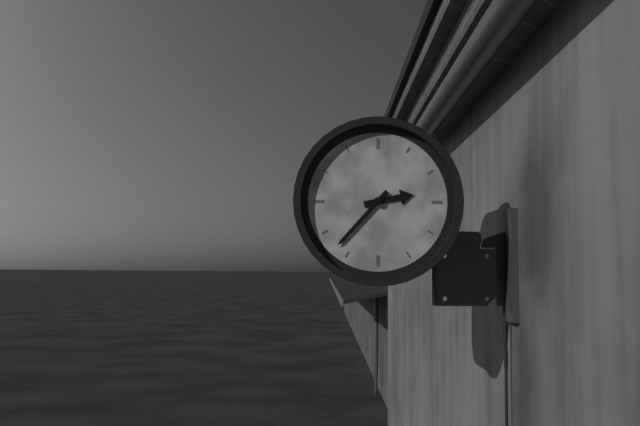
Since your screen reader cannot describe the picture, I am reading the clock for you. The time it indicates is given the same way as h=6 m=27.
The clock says h=2 m=37
